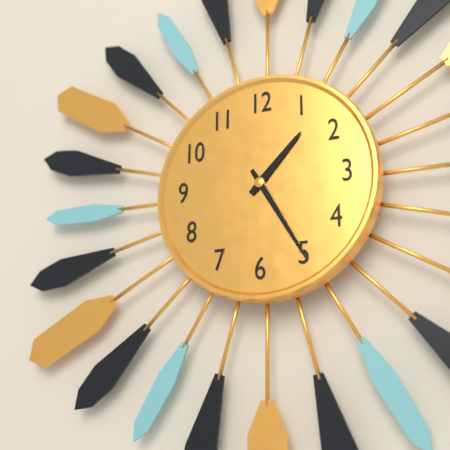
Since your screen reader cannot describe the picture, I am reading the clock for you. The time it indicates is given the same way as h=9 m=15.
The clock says h=1 m=25
